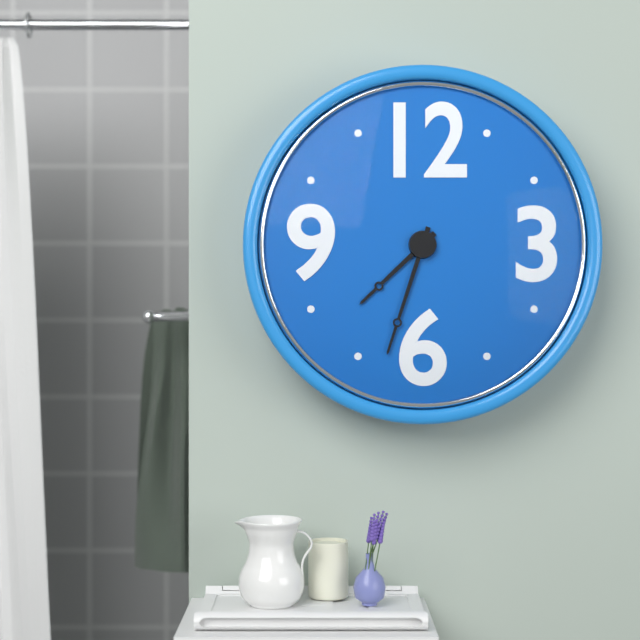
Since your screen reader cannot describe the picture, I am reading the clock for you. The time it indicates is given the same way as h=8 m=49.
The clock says h=7 m=33
